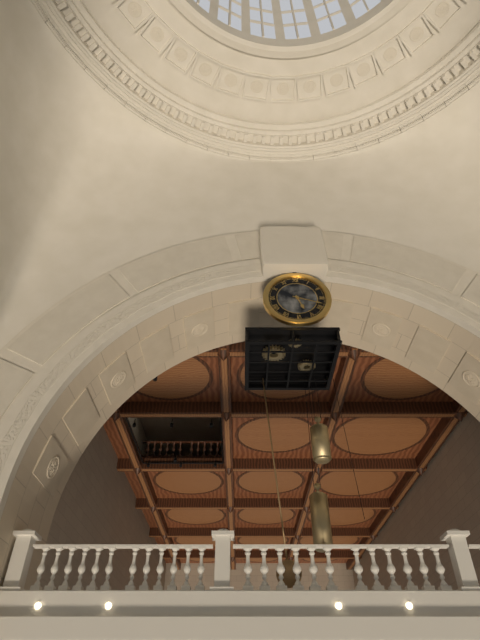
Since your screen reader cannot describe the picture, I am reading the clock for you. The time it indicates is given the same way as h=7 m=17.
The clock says h=5 m=18
